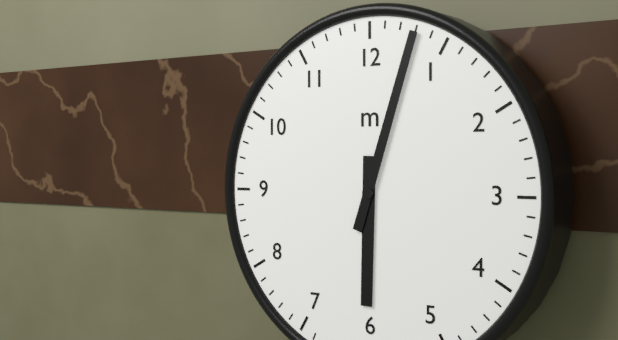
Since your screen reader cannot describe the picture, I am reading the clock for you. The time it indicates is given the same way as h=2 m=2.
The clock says h=6 m=3
